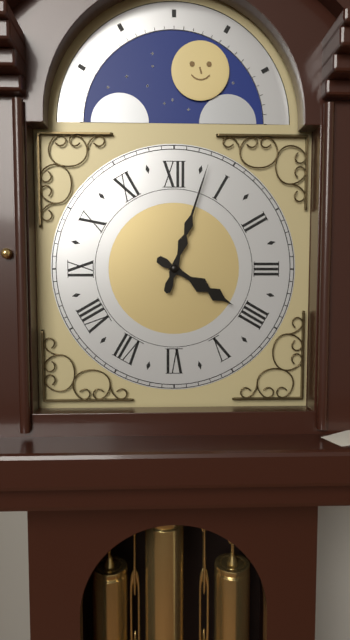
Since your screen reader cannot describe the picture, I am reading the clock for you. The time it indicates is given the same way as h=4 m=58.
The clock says h=4 m=3
